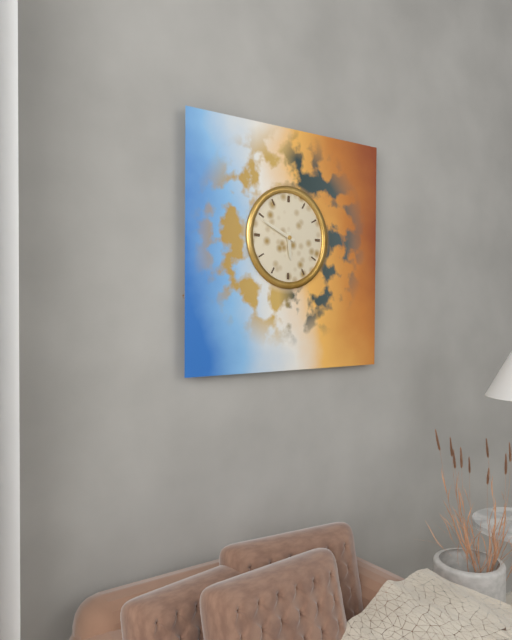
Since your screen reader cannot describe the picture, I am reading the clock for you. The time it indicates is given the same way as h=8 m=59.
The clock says h=5 m=49
